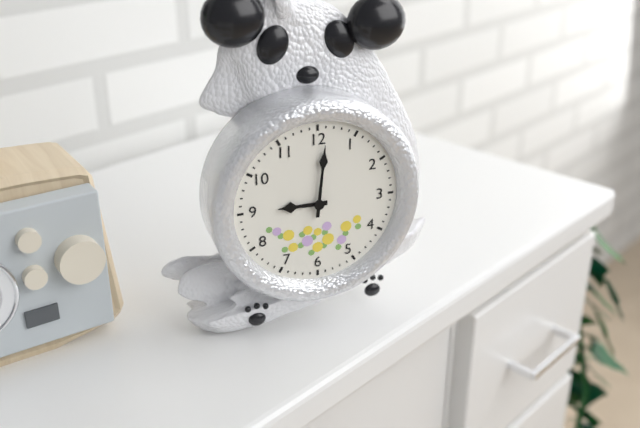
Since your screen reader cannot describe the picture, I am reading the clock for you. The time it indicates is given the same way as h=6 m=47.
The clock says h=9 m=1
